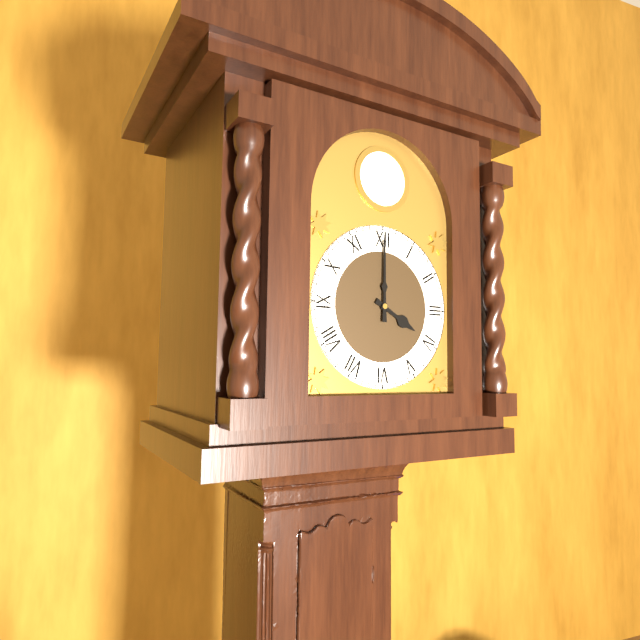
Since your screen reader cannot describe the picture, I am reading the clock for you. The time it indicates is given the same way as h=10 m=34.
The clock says h=4 m=0
